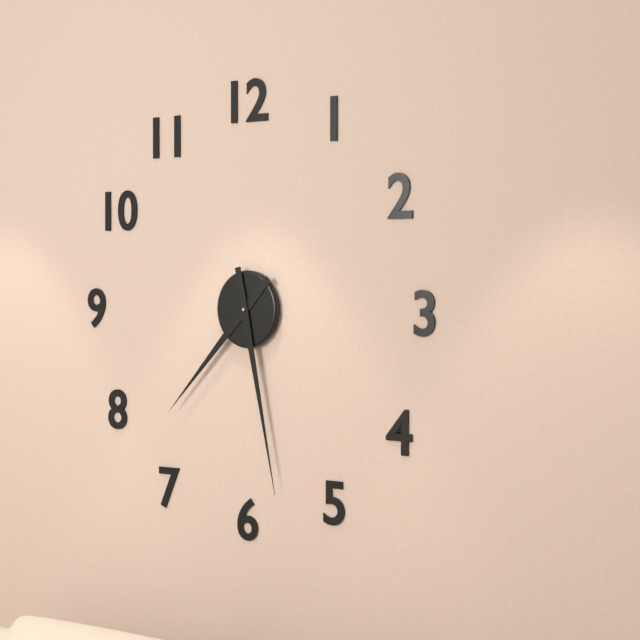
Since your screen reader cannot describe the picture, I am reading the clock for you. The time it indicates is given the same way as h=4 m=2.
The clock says h=7 m=28
